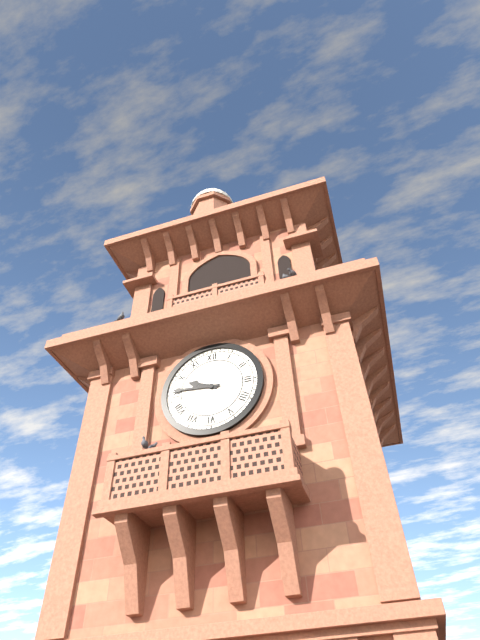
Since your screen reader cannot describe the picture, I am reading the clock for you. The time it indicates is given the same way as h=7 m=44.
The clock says h=9 m=46
